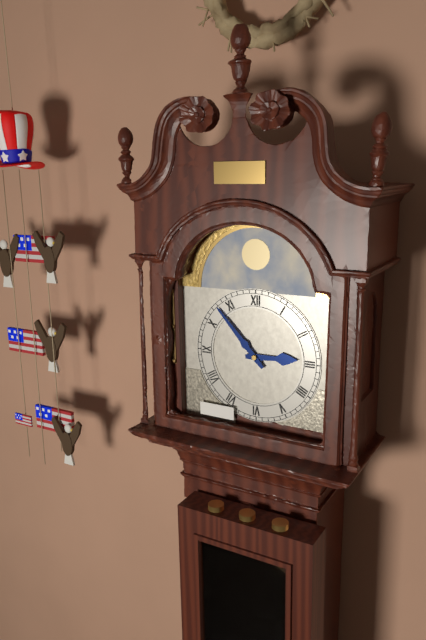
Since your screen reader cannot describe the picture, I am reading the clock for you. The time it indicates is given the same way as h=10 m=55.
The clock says h=2 m=53
